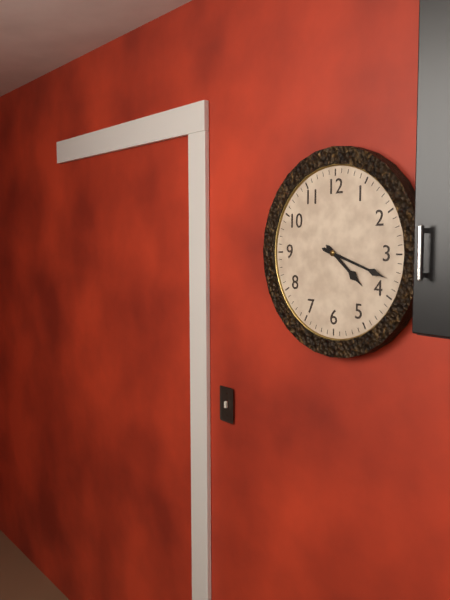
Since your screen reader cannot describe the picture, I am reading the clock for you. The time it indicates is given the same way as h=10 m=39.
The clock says h=4 m=18
